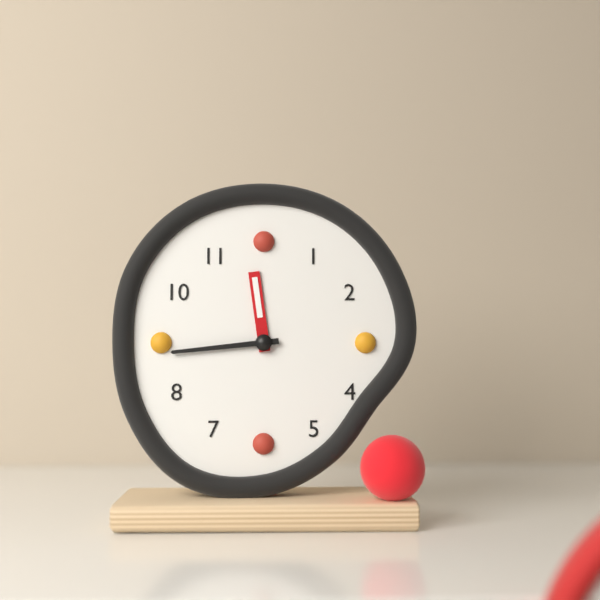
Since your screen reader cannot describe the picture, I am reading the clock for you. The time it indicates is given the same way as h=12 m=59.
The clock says h=11 m=44
